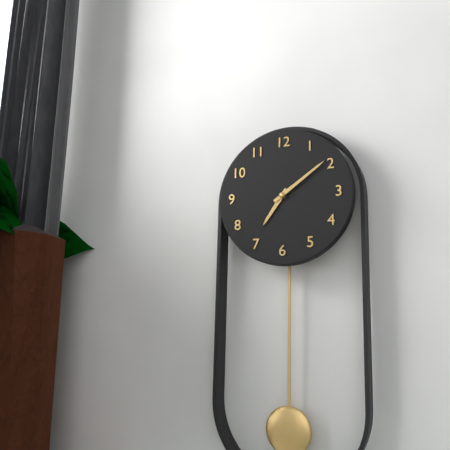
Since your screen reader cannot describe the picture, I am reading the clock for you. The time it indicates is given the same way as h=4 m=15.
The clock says h=7 m=9
